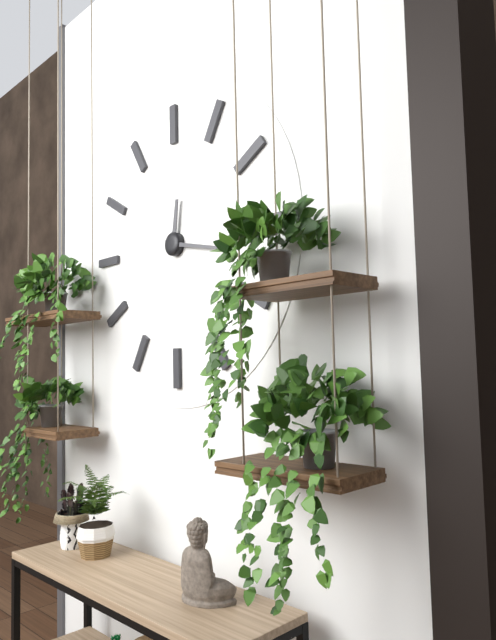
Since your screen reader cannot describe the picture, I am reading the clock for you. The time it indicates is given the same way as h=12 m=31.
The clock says h=12 m=17
